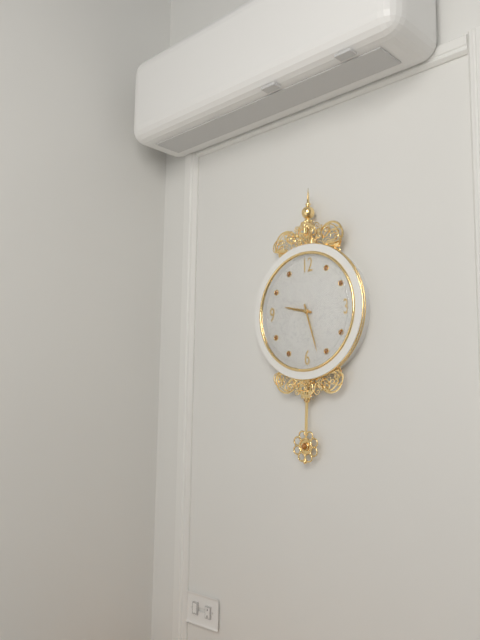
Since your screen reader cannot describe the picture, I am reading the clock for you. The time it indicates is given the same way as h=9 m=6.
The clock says h=9 m=27
